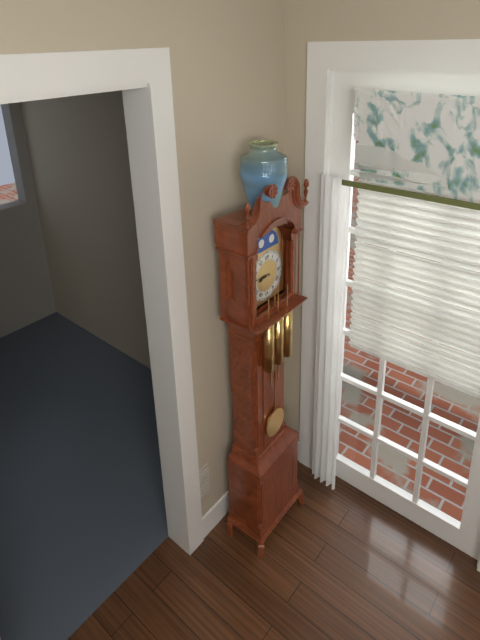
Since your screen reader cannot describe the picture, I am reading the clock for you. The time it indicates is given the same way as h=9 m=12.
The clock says h=8 m=46
